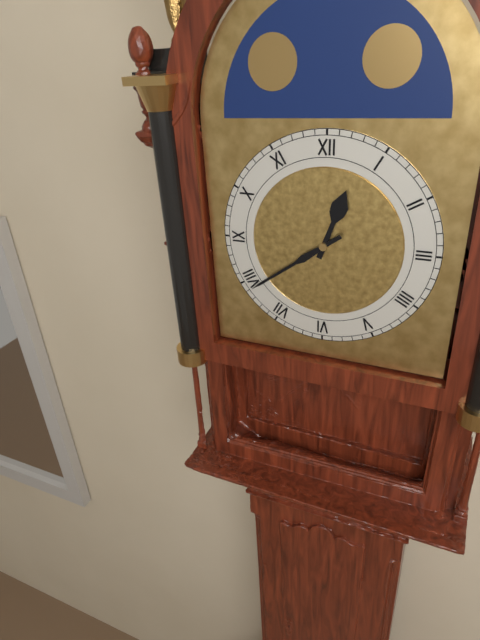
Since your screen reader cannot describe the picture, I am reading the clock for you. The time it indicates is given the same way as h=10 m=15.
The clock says h=12 m=39
